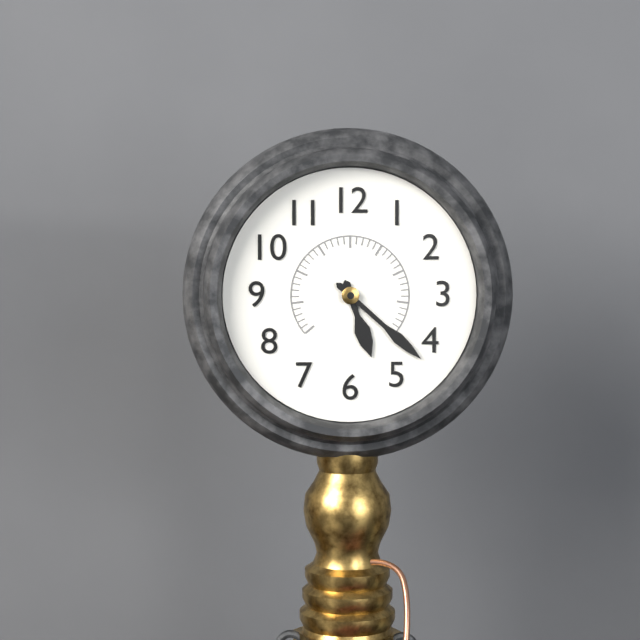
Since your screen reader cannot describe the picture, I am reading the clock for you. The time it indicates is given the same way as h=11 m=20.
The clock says h=5 m=22
